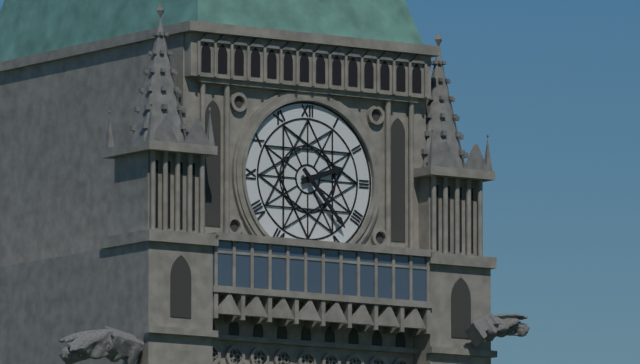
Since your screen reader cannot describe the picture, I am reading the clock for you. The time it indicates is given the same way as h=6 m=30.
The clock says h=2 m=23
